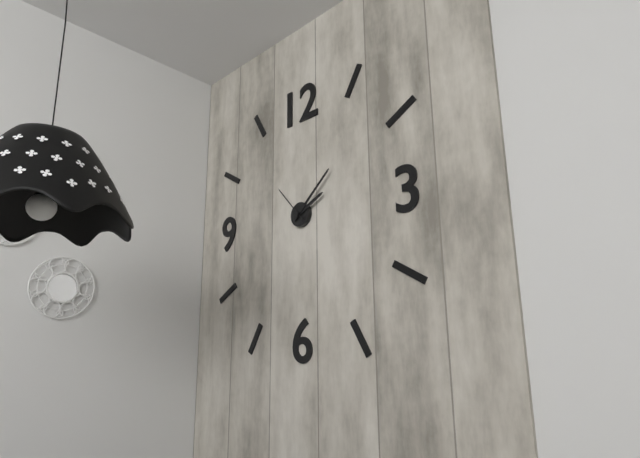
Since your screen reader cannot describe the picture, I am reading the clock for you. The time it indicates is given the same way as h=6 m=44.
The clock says h=2 m=8
